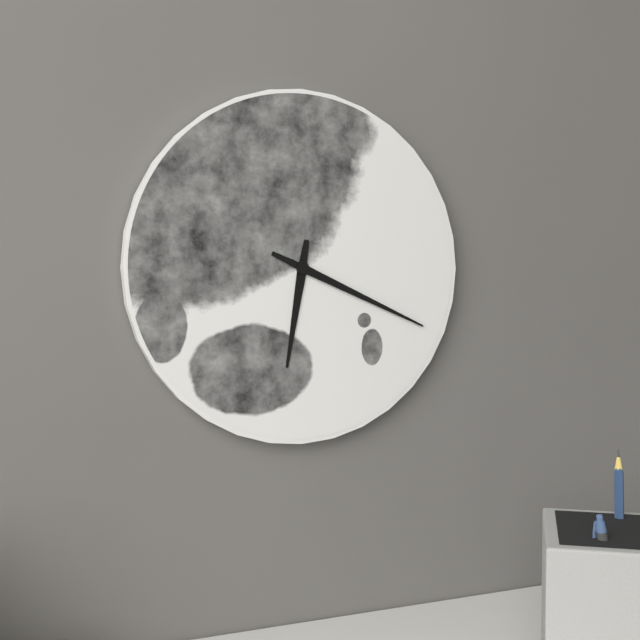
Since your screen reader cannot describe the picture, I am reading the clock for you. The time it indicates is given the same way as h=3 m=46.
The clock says h=6 m=19
